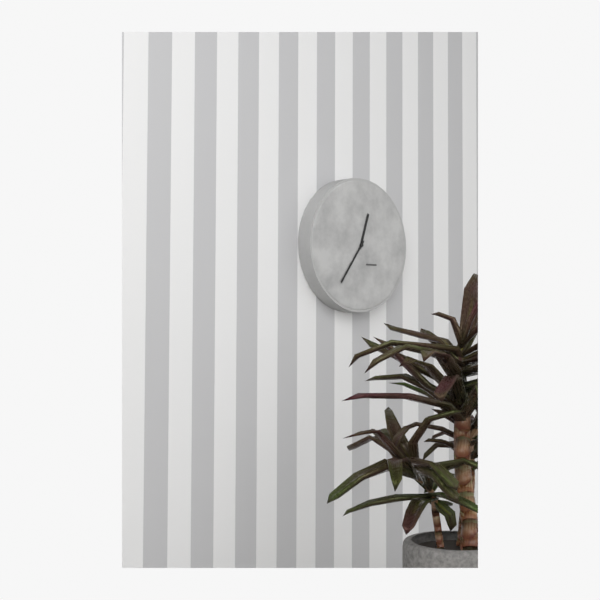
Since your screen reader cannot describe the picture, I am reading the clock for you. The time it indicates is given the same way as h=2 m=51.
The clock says h=12 m=36
